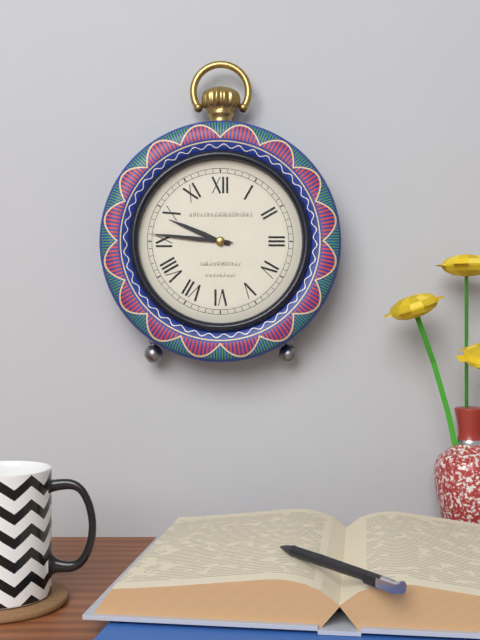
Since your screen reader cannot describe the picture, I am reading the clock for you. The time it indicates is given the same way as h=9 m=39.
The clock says h=9 m=46
